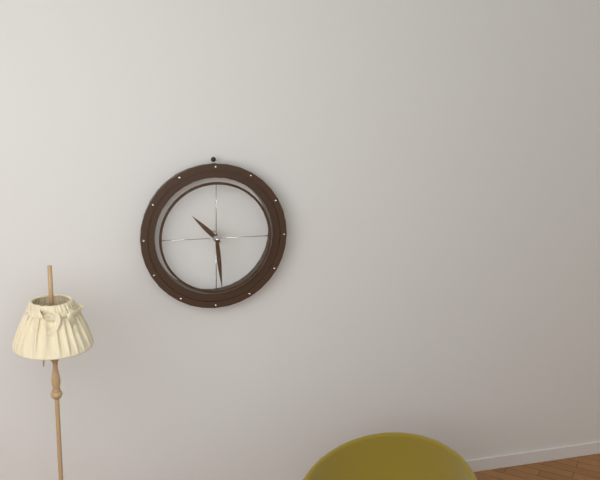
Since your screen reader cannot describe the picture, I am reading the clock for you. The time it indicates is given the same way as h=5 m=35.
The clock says h=10 m=29
